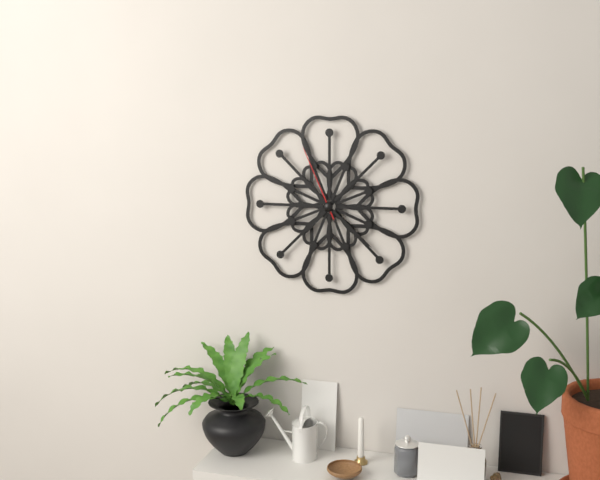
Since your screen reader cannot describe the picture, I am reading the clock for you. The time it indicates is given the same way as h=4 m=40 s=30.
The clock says h=7 m=22 s=56
